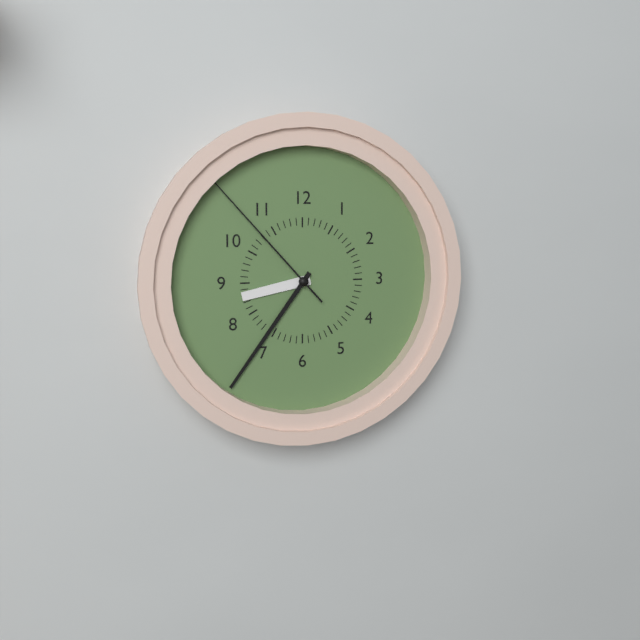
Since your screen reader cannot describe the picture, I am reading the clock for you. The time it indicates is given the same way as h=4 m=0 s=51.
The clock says h=8 m=36 s=53
